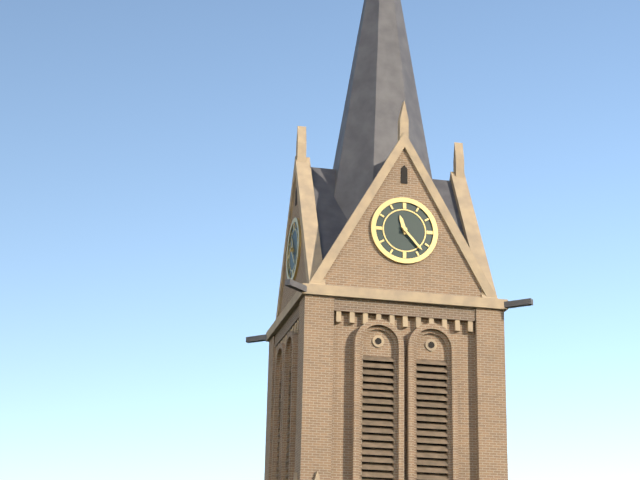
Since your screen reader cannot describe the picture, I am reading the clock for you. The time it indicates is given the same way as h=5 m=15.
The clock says h=11 m=23
